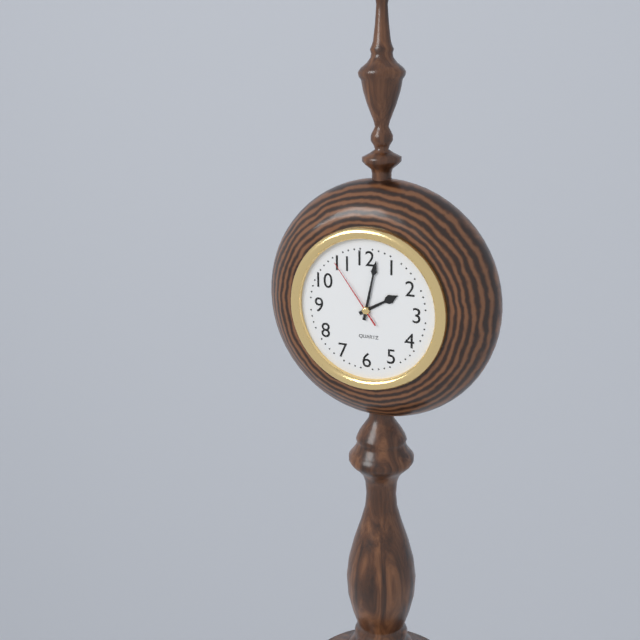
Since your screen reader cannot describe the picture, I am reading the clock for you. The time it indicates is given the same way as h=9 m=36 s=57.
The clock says h=2 m=2 s=54
